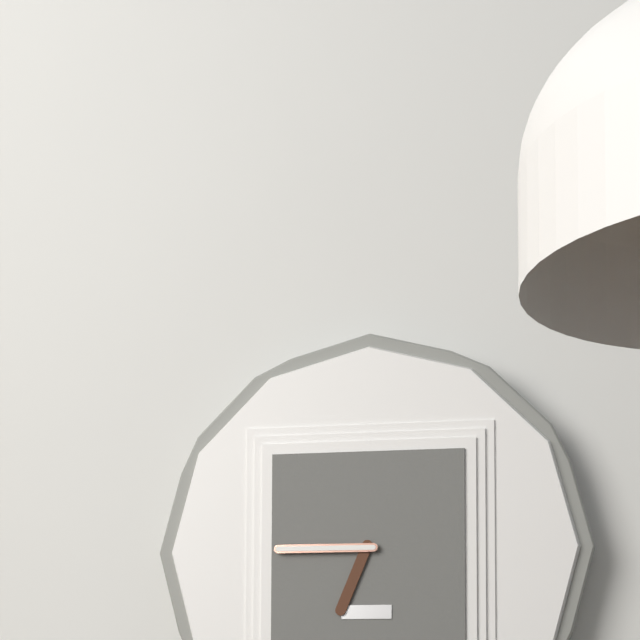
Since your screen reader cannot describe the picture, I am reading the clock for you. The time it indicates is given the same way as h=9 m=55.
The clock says h=6 m=45
